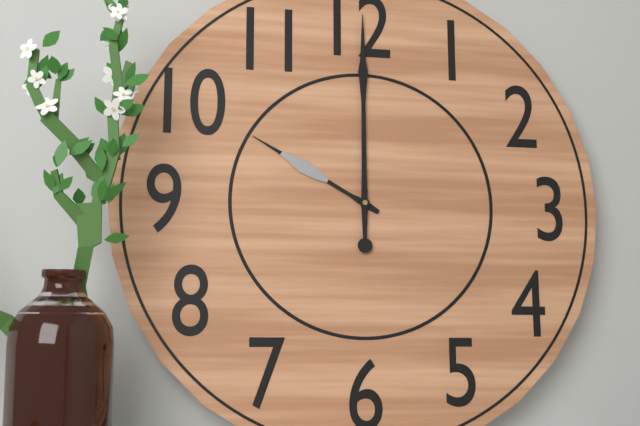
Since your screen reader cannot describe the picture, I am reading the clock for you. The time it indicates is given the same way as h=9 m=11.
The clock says h=10 m=0
